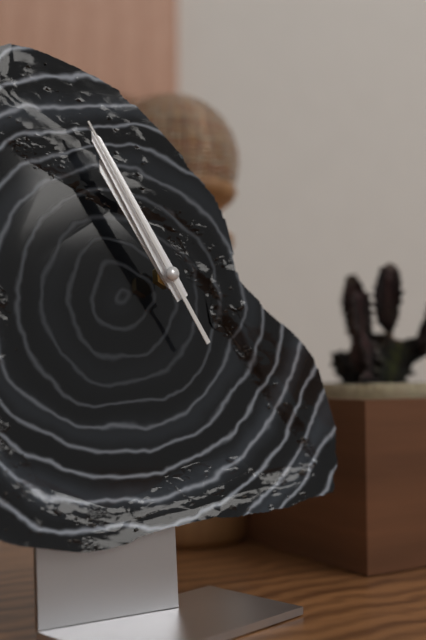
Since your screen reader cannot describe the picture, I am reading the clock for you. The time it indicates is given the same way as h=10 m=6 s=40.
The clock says h=10 m=55 s=55
